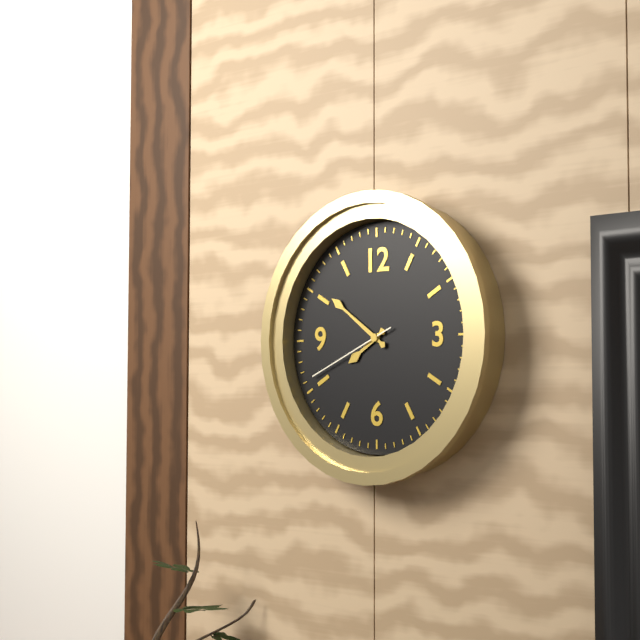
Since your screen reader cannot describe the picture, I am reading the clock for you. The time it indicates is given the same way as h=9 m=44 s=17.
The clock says h=7 m=51 s=41
